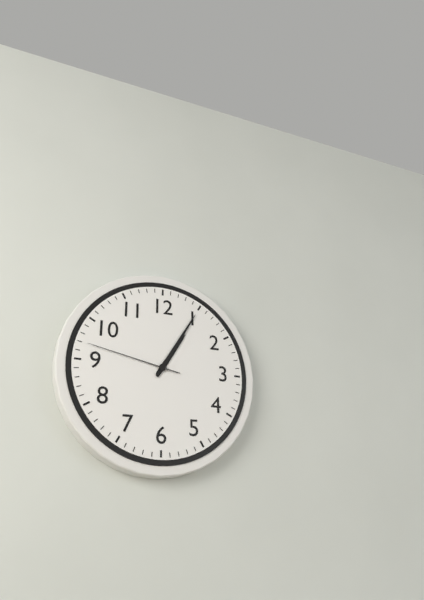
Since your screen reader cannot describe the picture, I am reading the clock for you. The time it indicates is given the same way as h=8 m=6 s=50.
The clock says h=1 m=5 s=47
